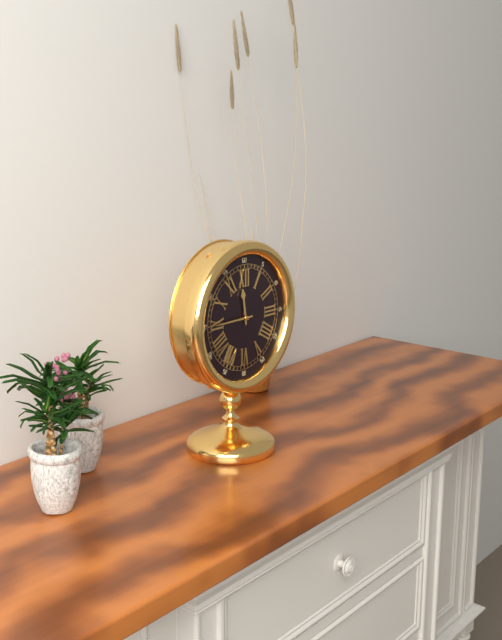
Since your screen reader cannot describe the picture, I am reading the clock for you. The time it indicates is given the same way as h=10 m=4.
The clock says h=11 m=45
